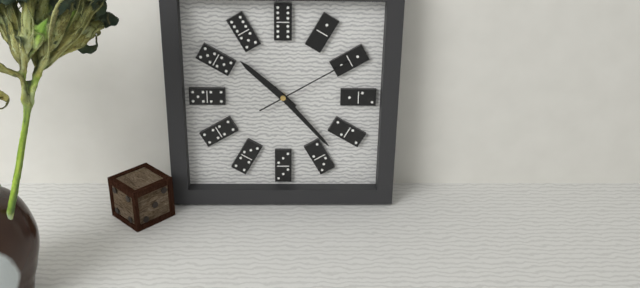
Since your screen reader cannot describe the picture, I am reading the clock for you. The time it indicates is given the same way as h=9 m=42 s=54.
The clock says h=10 m=23 s=10
